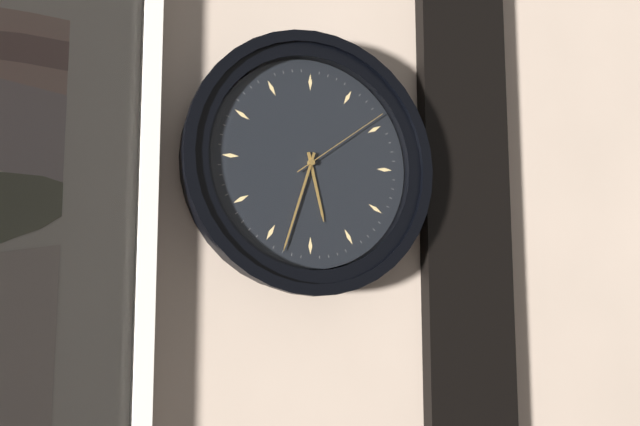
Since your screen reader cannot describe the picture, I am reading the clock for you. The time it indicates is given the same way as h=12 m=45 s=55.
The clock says h=5 m=33 s=9
